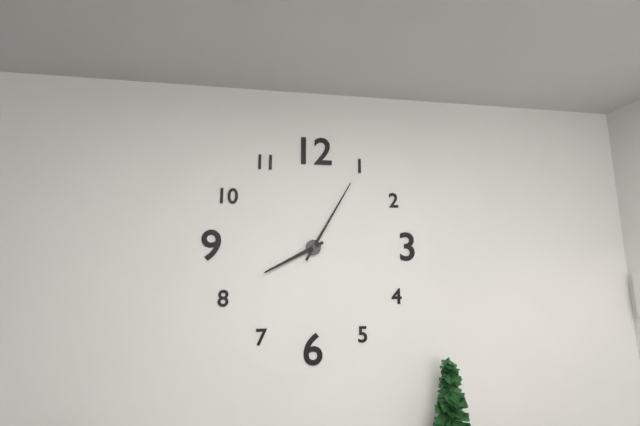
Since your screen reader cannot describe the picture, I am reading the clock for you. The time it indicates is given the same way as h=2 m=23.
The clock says h=8 m=5
